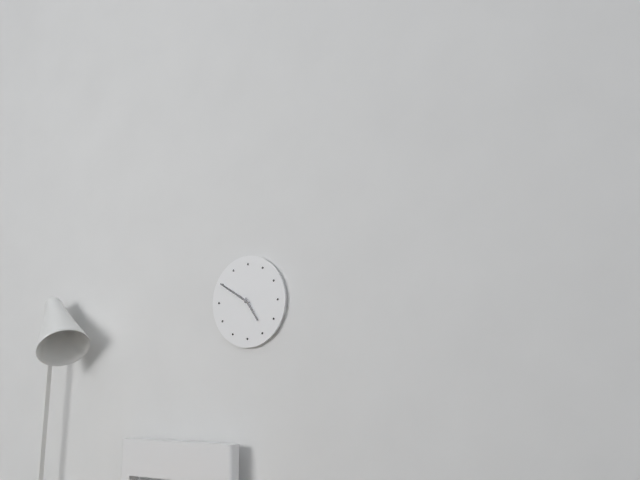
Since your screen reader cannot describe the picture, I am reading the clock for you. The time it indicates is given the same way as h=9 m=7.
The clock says h=4 m=50
